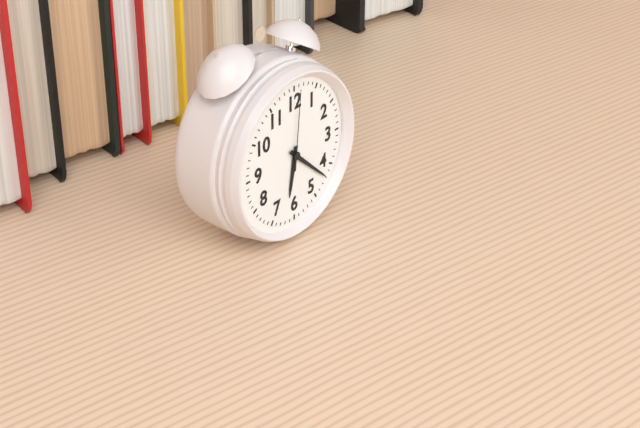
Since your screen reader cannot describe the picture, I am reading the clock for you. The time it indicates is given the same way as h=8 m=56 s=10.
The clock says h=6 m=22 s=1
